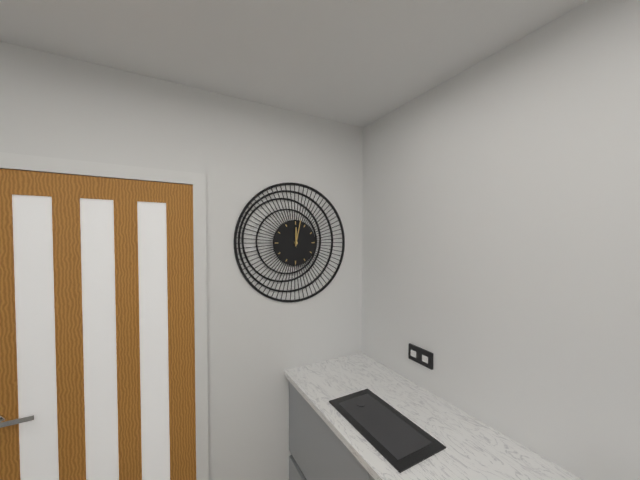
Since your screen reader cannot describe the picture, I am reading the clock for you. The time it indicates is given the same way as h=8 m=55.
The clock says h=12 m=2
